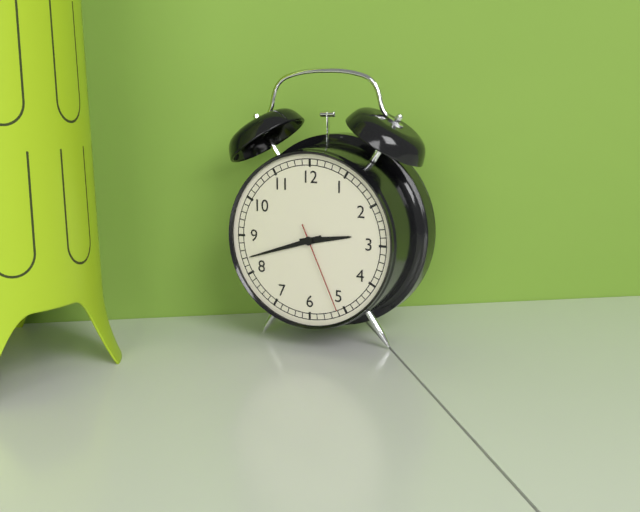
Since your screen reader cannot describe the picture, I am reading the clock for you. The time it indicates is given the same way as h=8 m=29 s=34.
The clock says h=2 m=42 s=26
